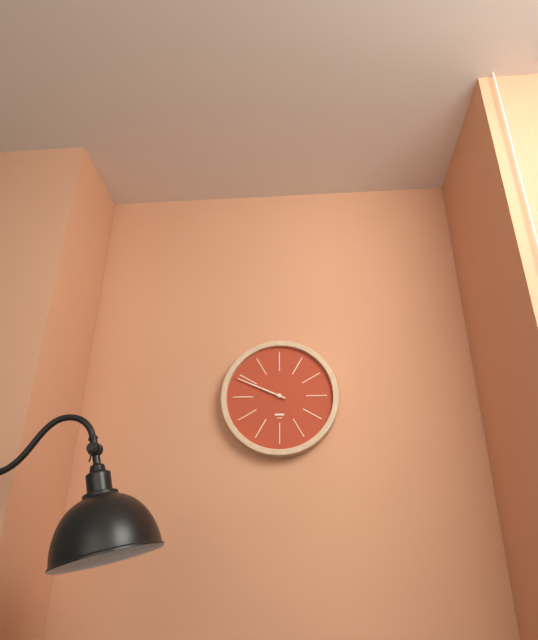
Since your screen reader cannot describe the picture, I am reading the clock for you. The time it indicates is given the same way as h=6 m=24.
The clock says h=9 m=49
